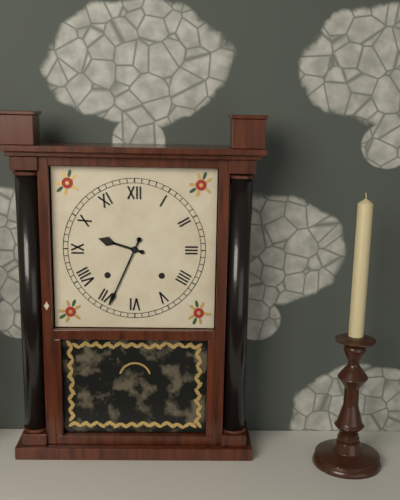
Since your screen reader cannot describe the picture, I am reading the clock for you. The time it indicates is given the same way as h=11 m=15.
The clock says h=9 m=34
